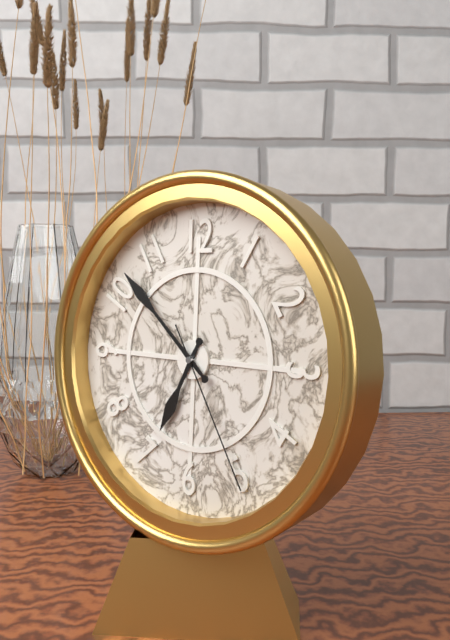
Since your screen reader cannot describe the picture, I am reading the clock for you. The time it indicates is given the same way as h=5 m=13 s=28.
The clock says h=6 m=52 s=25
